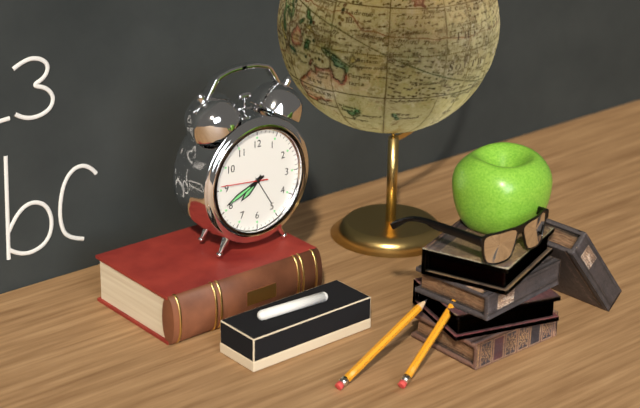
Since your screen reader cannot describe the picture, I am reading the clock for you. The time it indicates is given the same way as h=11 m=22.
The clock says h=7 m=41
